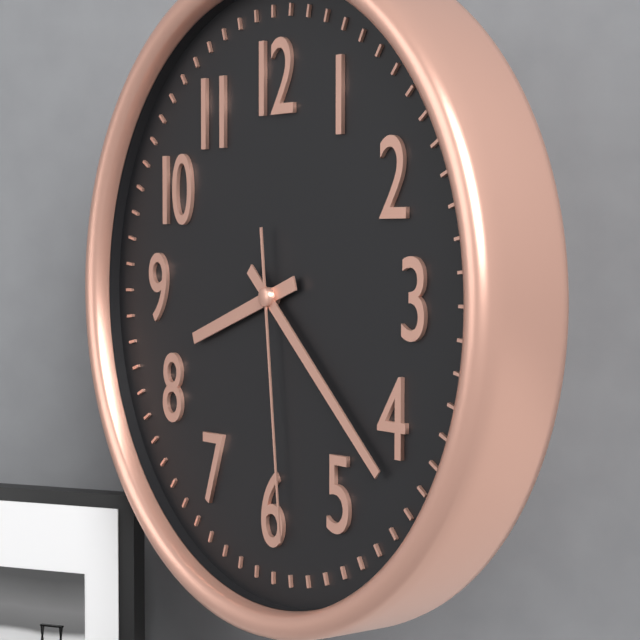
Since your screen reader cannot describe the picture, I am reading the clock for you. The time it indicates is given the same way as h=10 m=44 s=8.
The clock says h=8 m=22 s=29
